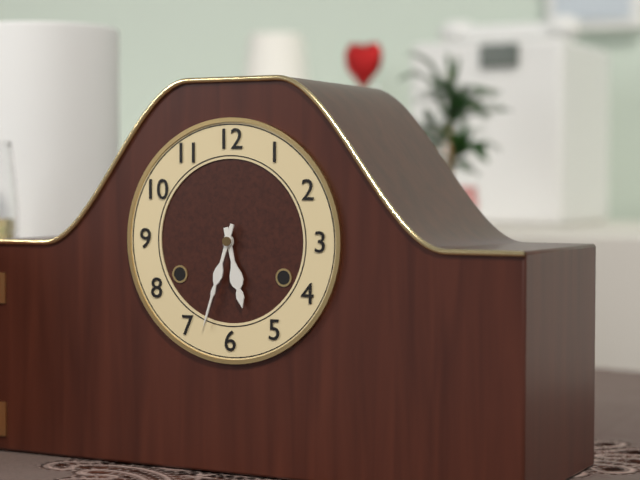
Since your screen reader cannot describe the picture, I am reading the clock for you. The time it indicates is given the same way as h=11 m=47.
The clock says h=5 m=33
